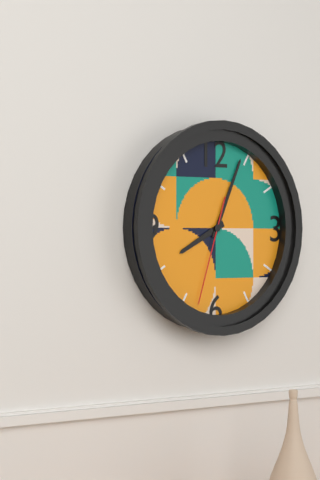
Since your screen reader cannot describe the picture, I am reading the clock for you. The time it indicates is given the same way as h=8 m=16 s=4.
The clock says h=8 m=4 s=33
